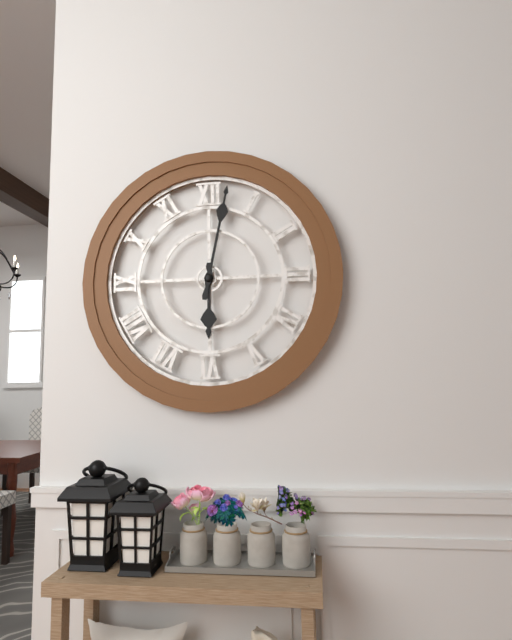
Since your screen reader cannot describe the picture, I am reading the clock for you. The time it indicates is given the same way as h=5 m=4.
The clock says h=6 m=2
